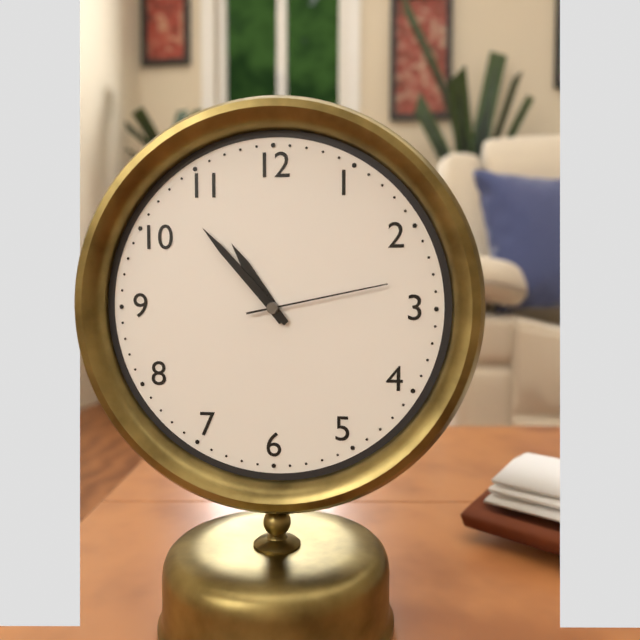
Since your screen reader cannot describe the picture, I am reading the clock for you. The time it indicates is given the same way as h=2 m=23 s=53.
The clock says h=10 m=53 s=13
